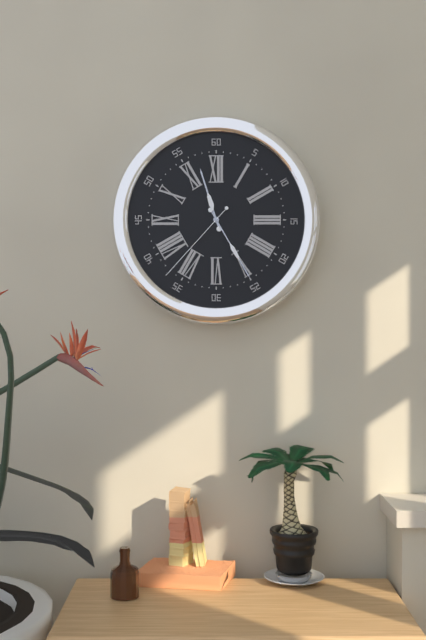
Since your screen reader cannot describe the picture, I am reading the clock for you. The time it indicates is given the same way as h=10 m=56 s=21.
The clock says h=11 m=25 s=37
